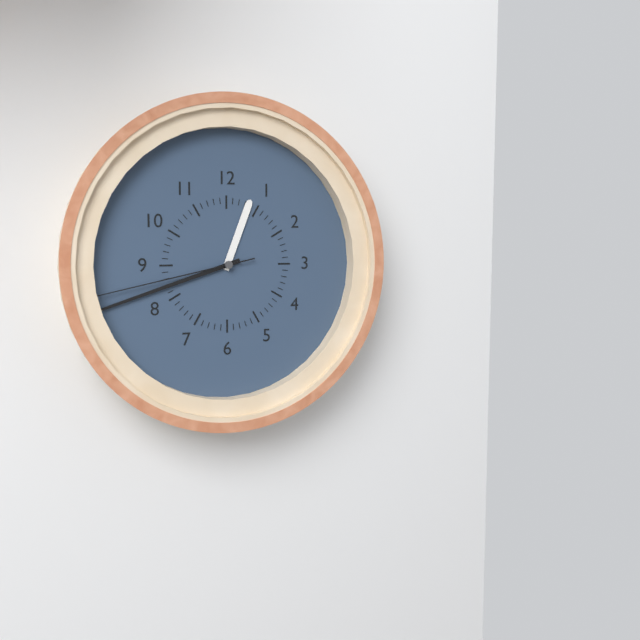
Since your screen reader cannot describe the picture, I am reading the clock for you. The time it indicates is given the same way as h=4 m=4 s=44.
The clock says h=12 m=42 s=43
